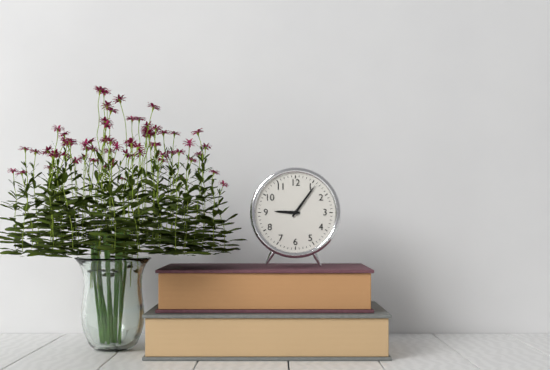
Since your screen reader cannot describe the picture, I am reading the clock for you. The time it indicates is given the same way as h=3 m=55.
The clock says h=9 m=6
